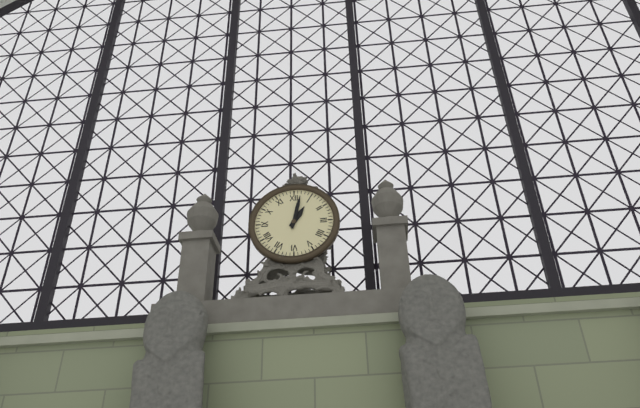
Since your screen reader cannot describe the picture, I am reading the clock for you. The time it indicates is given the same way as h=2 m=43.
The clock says h=1 m=2
